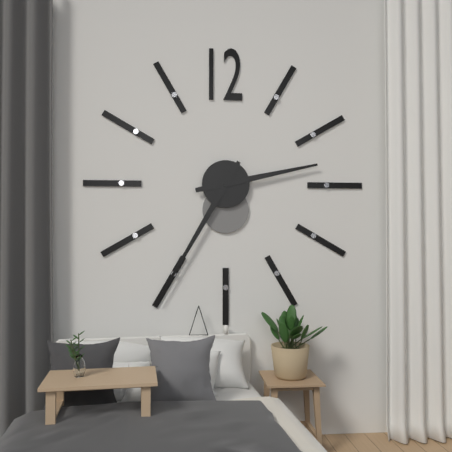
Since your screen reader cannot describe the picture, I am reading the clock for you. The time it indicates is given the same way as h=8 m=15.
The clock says h=2 m=35
